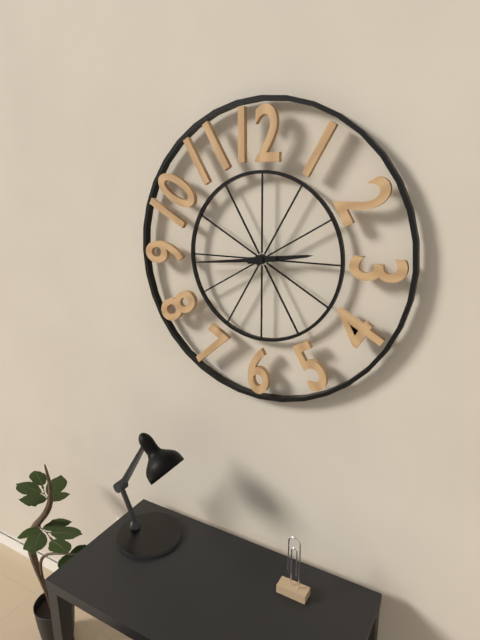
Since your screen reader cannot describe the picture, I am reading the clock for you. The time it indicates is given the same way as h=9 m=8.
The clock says h=2 m=44
